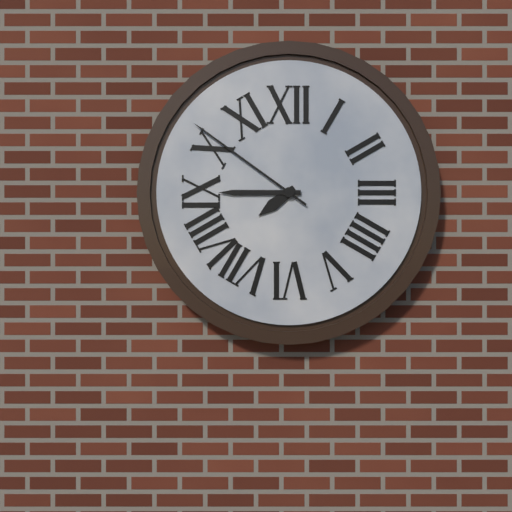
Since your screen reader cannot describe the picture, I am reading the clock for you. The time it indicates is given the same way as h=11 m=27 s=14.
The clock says h=7 m=45 s=51
